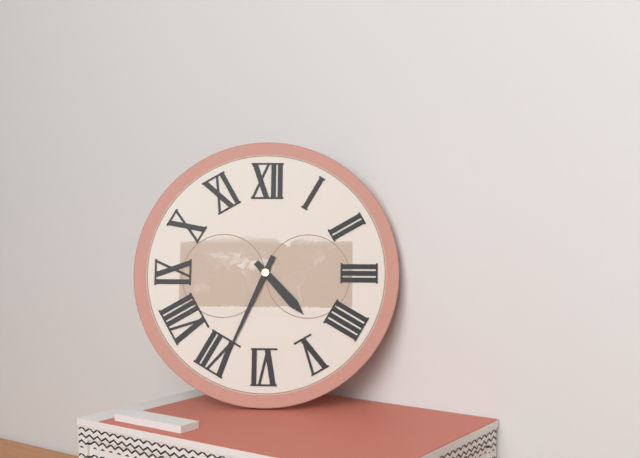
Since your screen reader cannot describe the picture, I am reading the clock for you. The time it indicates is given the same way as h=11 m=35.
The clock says h=4 m=34
